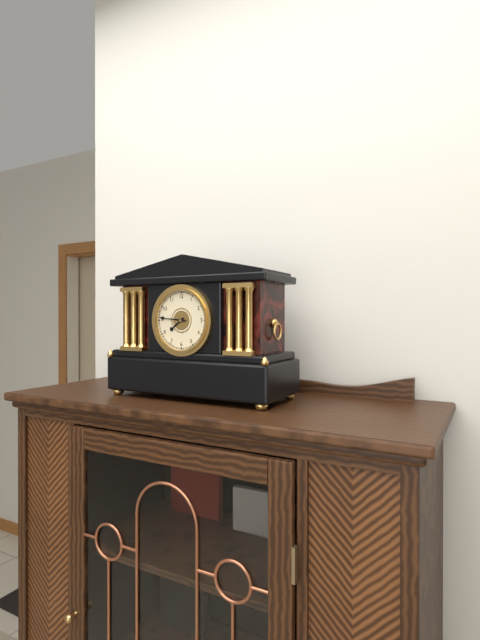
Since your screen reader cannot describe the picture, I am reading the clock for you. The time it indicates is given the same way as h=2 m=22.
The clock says h=7 m=46
